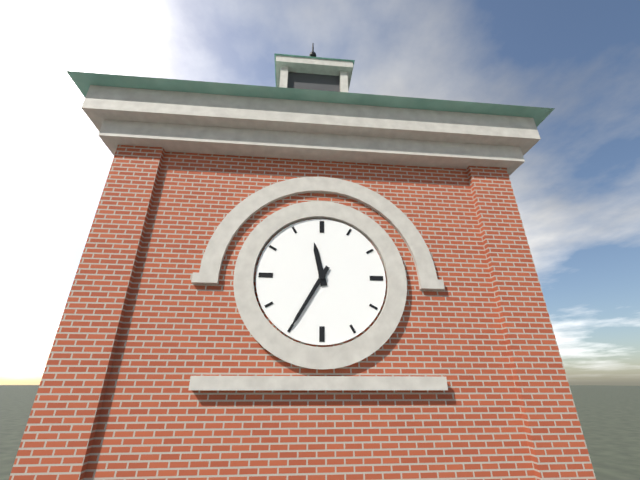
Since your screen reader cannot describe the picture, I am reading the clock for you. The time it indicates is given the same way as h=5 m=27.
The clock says h=11 m=35
